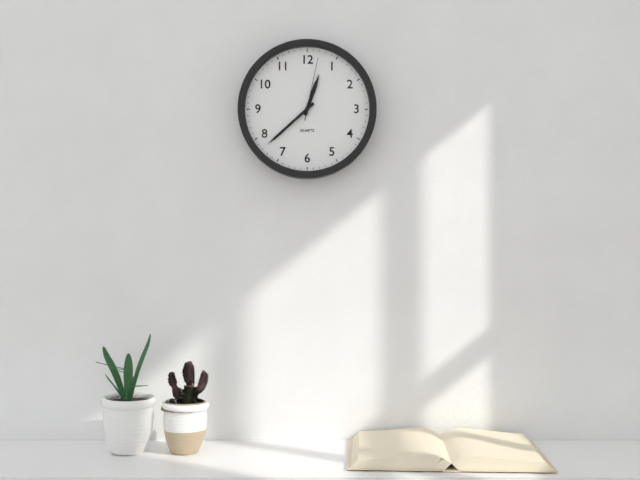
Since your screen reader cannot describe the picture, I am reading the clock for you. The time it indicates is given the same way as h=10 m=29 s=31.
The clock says h=12 m=38 s=2
